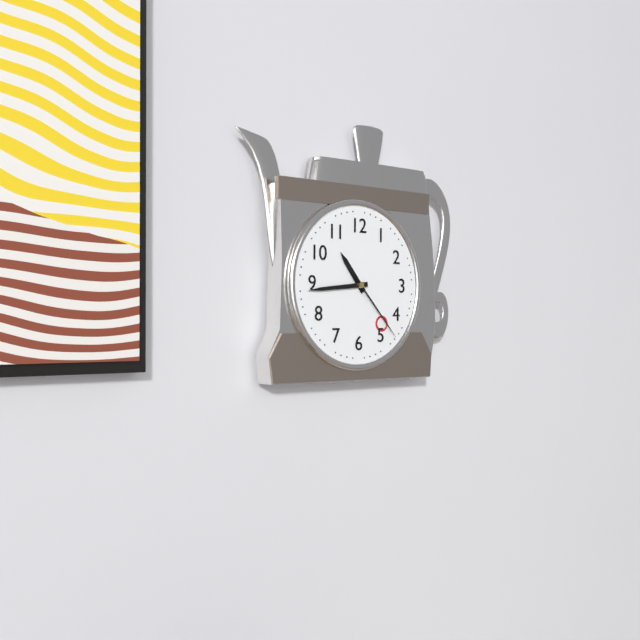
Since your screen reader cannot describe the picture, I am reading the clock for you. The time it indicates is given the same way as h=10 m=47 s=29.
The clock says h=10 m=44 s=23
